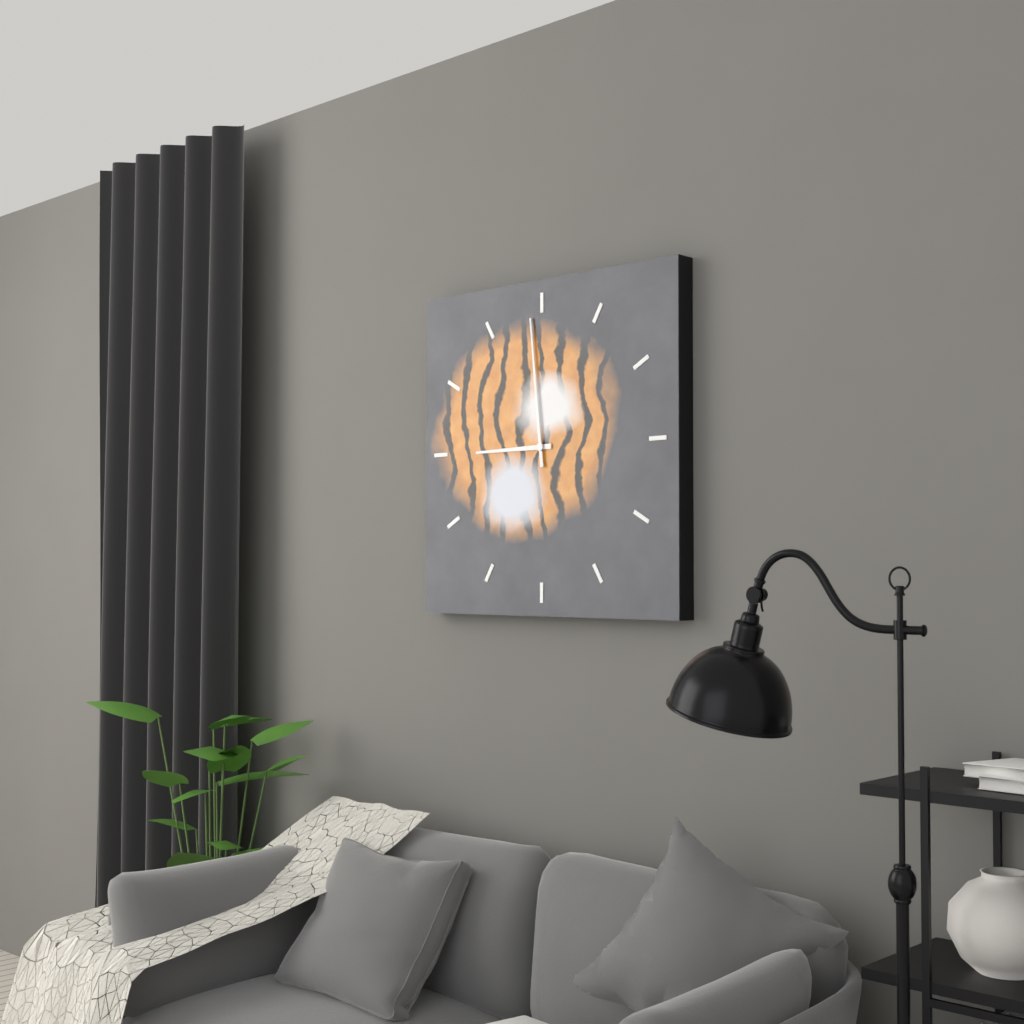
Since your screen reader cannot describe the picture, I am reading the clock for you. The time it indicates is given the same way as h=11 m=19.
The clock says h=8 m=59
